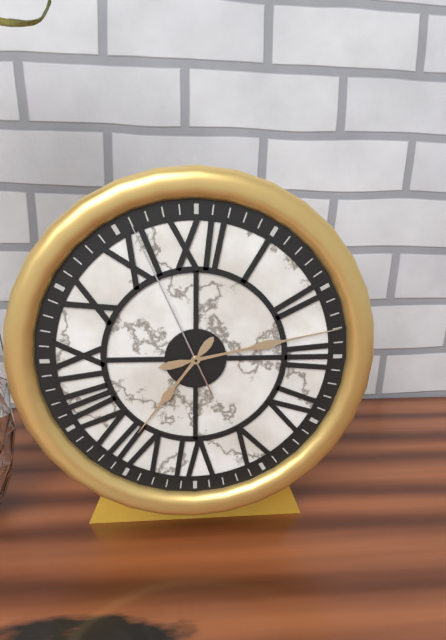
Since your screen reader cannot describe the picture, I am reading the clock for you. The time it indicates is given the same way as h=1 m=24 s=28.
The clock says h=7 m=13 s=56
